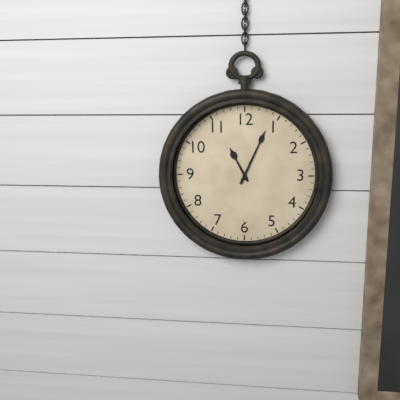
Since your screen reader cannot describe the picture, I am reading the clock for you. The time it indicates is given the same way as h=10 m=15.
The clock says h=11 m=4
